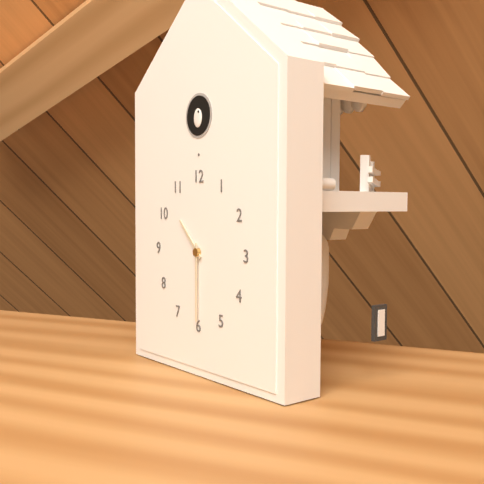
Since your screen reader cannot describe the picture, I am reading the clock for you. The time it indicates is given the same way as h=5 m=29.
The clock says h=10 m=30
